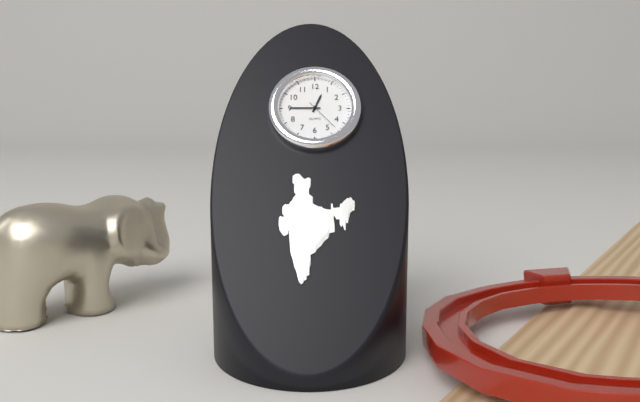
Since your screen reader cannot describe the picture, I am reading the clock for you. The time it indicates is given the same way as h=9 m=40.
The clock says h=12 m=45
